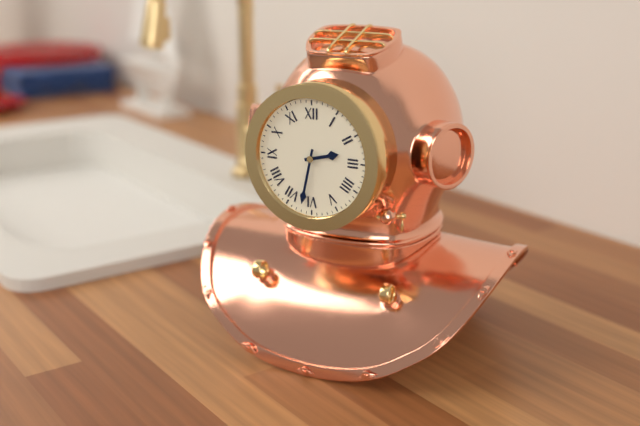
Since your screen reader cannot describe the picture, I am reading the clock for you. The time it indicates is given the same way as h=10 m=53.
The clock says h=2 m=32
